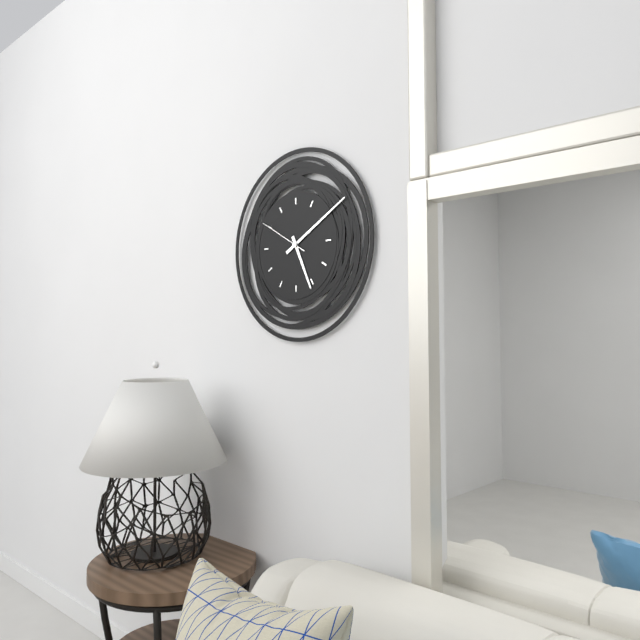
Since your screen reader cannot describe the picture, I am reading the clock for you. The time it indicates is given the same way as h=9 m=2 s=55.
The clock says h=5 m=10 s=50
